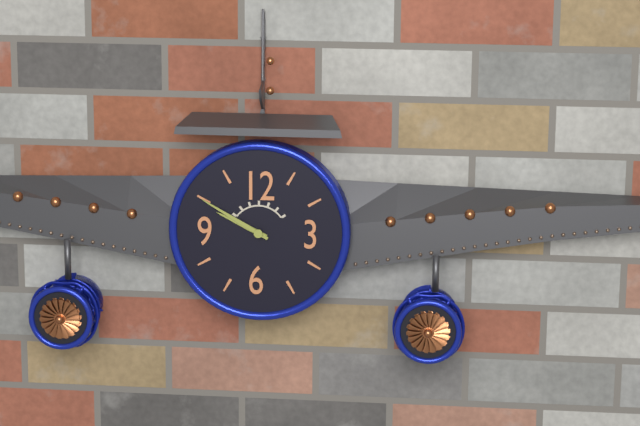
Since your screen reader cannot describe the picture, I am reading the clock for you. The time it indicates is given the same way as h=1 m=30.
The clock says h=9 m=50
